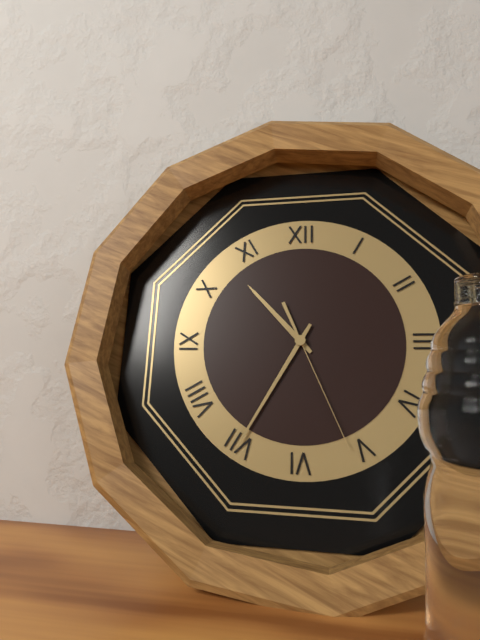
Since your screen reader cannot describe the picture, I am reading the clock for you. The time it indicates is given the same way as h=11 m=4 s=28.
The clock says h=10 m=35 s=26
